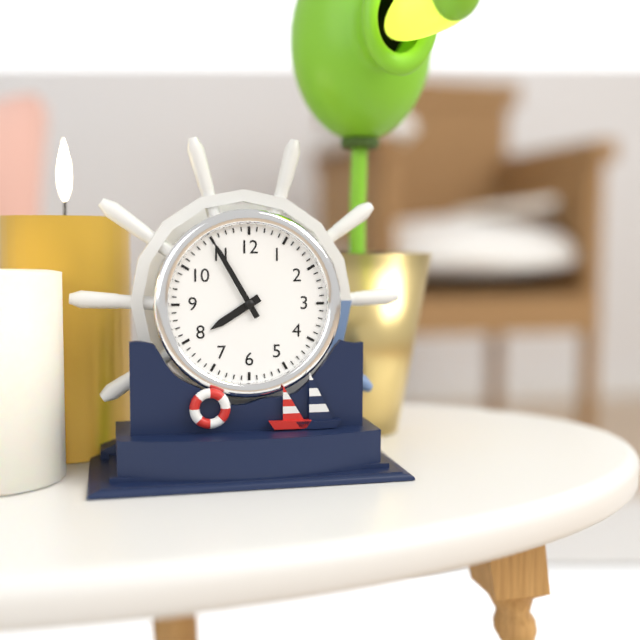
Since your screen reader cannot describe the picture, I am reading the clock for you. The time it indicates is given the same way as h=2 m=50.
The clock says h=7 m=55
